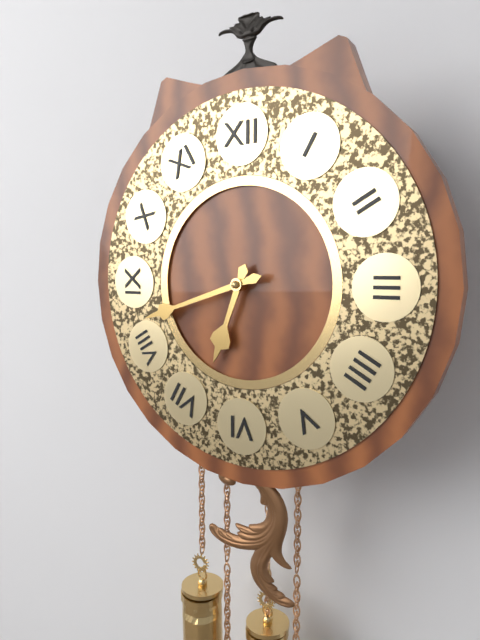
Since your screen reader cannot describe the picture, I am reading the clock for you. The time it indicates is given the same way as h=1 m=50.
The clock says h=6 m=42
